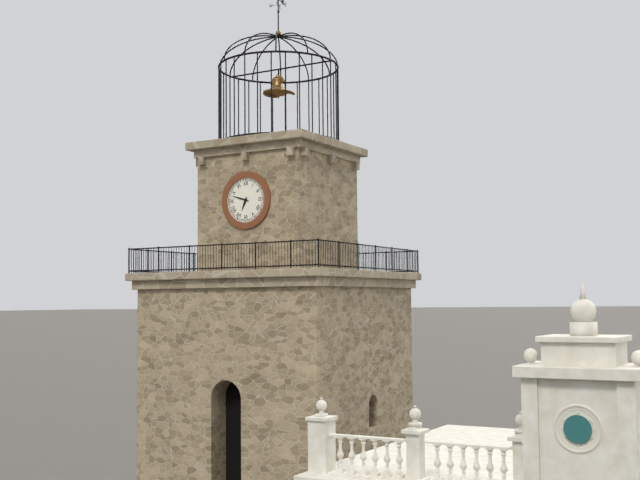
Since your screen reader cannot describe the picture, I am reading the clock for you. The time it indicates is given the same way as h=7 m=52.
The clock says h=6 m=48
